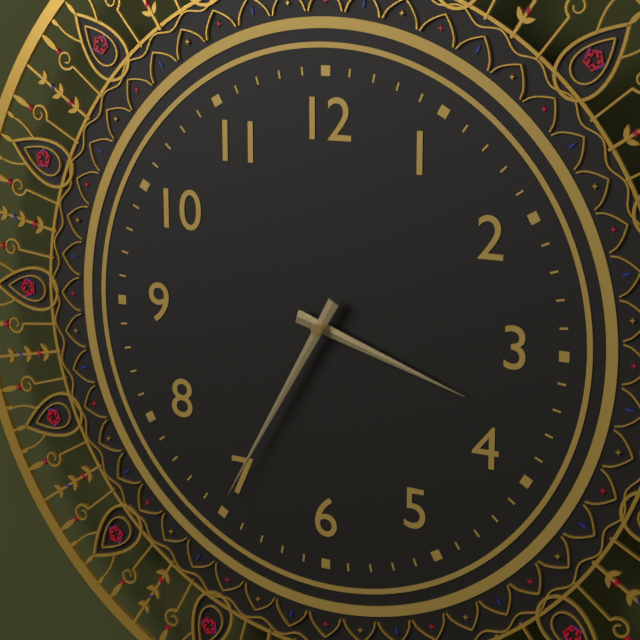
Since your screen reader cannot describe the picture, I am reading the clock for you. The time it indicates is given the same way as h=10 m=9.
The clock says h=3 m=35
